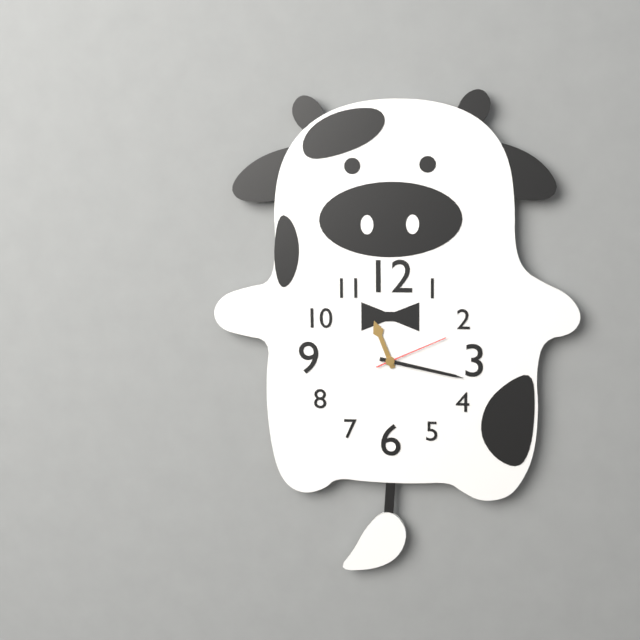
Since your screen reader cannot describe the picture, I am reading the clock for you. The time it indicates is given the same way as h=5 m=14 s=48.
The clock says h=11 m=17 s=11
